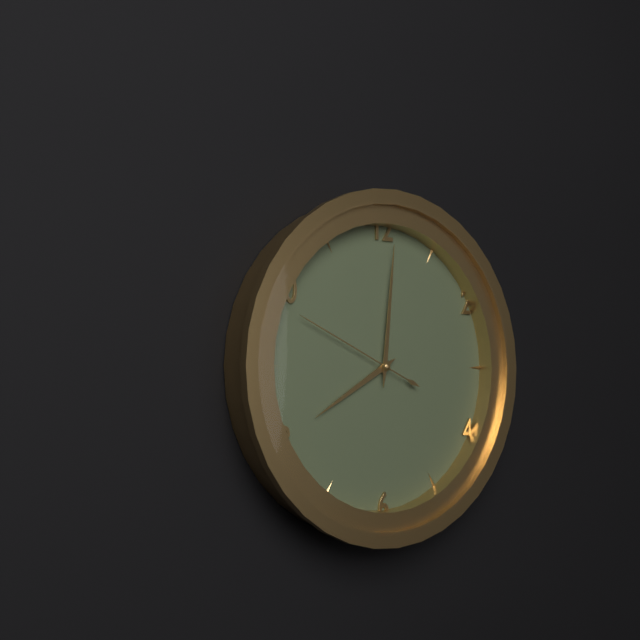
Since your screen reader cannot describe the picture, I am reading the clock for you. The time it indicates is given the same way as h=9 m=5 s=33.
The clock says h=8 m=1 s=49
